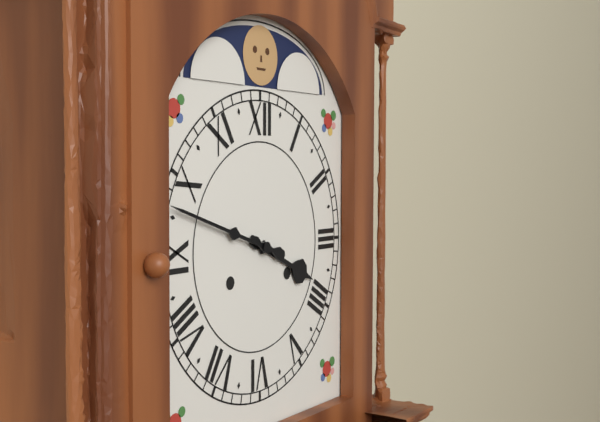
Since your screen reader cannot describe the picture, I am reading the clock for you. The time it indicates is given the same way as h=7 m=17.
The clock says h=3 m=48
